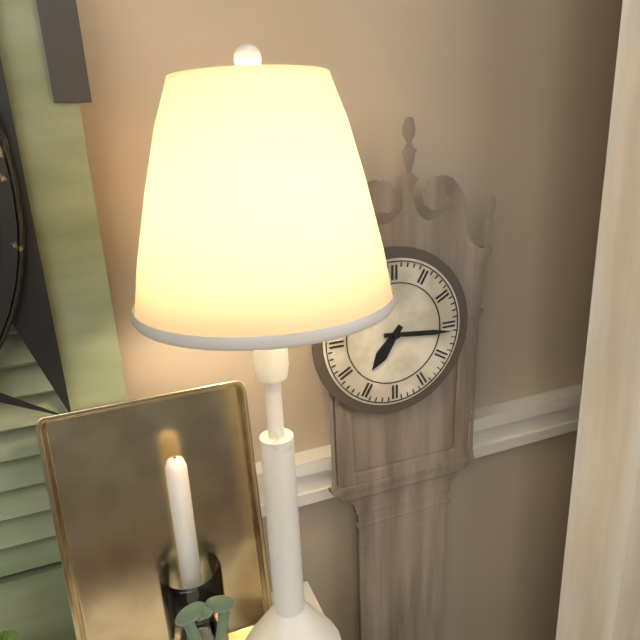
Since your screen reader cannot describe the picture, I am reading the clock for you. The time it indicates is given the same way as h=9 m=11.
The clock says h=7 m=16
